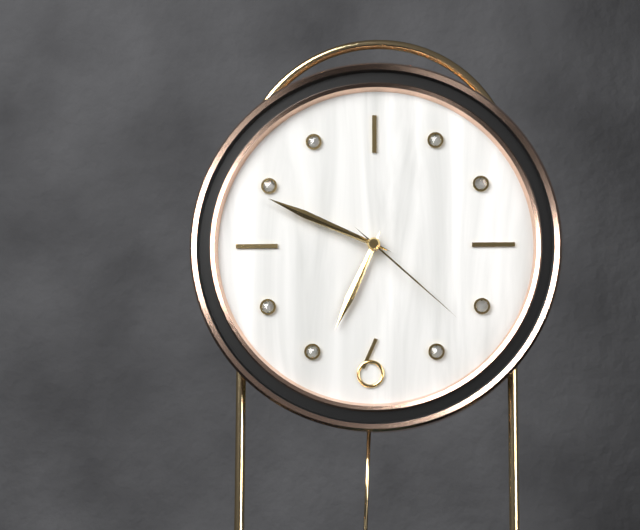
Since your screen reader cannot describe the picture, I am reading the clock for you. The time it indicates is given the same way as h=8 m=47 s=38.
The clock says h=6 m=49 s=22
